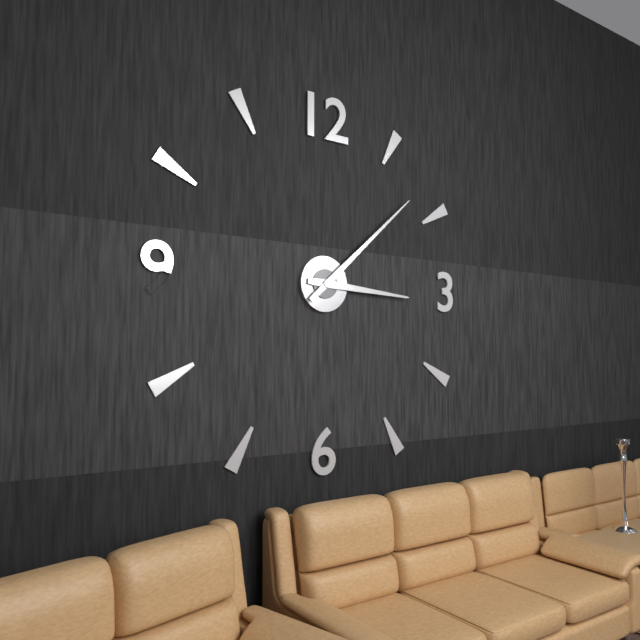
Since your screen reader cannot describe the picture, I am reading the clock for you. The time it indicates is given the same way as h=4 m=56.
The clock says h=3 m=8
